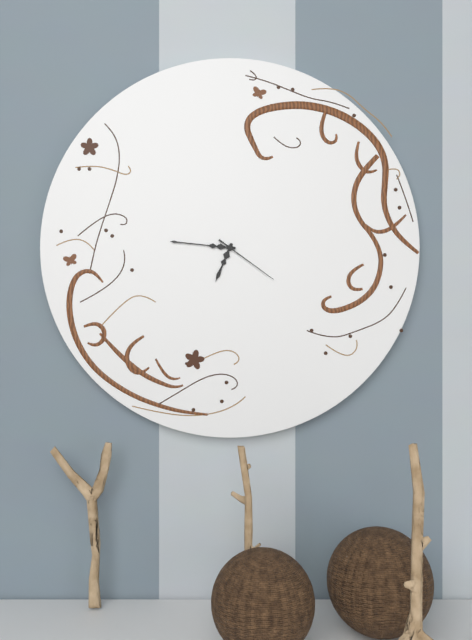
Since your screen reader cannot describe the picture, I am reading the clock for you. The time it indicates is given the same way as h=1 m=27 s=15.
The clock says h=6 m=46 s=21
